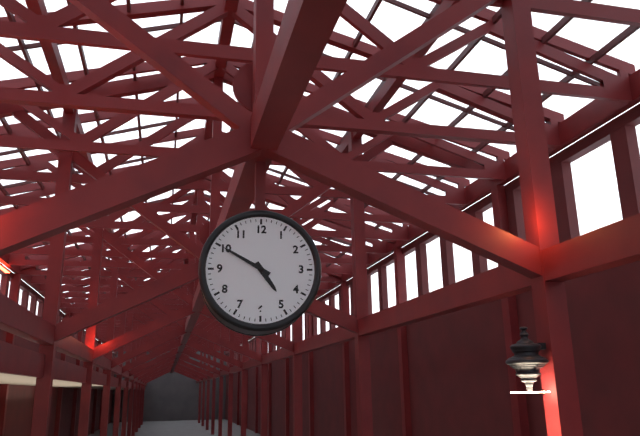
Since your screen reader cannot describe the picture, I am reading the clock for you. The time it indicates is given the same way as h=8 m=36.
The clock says h=4 m=50
